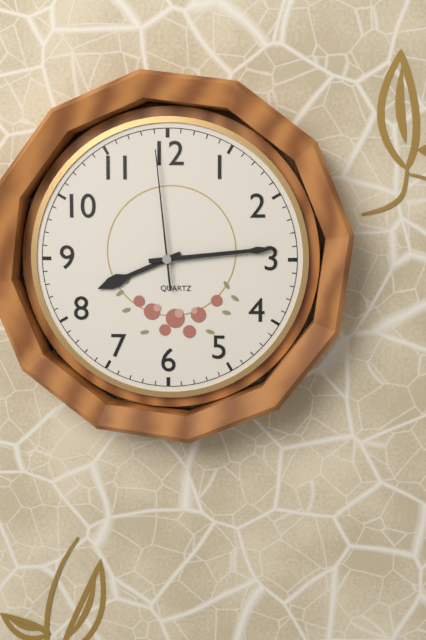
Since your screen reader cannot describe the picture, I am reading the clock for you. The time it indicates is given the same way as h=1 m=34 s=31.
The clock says h=8 m=14 s=59
